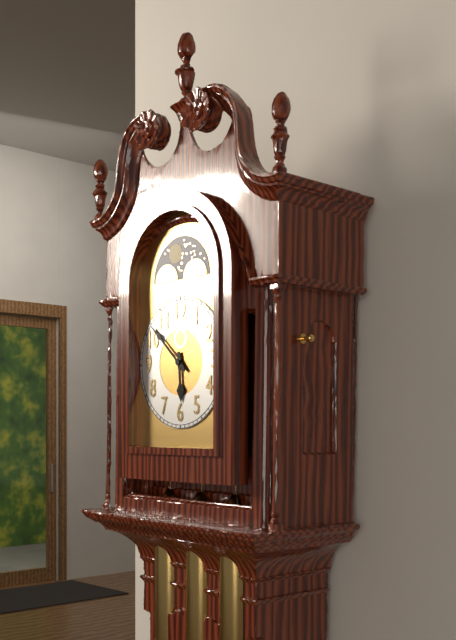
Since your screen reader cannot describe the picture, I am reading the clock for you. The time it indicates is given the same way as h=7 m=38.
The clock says h=5 m=52
